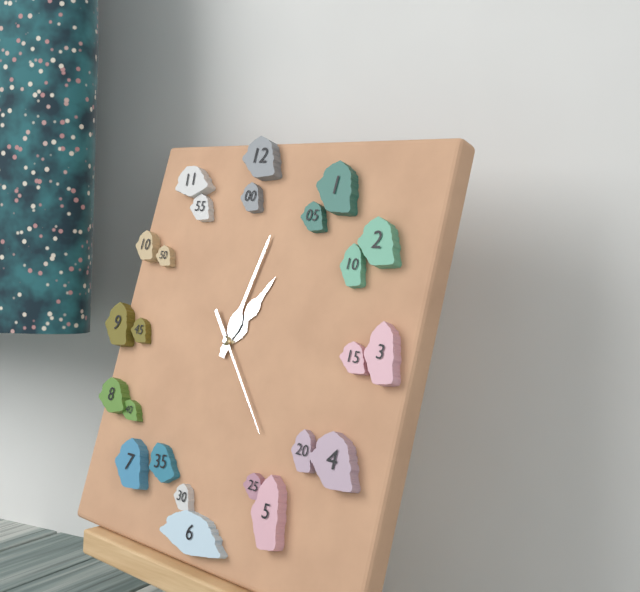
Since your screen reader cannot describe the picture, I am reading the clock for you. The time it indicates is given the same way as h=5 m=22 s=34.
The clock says h=1 m=2 s=23
